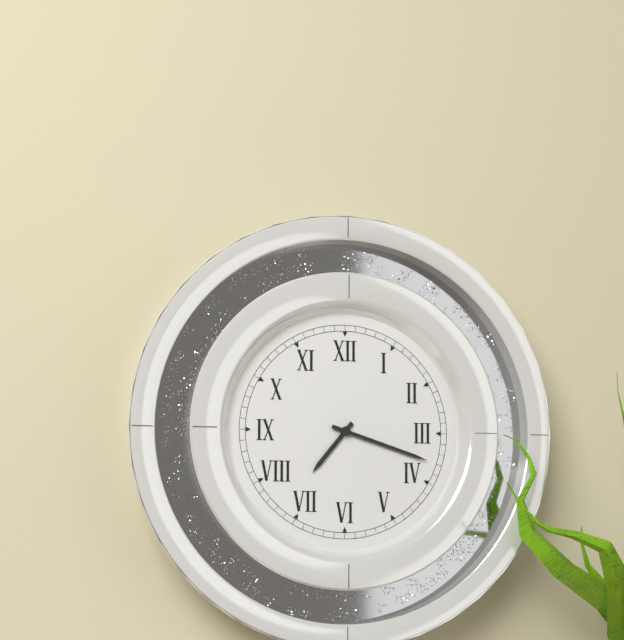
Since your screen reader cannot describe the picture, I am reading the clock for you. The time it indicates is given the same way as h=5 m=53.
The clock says h=7 m=18
